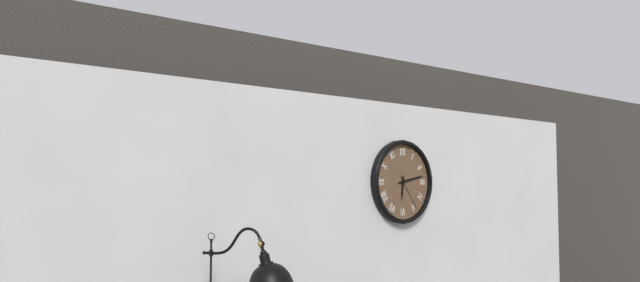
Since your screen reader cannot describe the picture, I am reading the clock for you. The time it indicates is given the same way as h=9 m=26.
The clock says h=6 m=13
